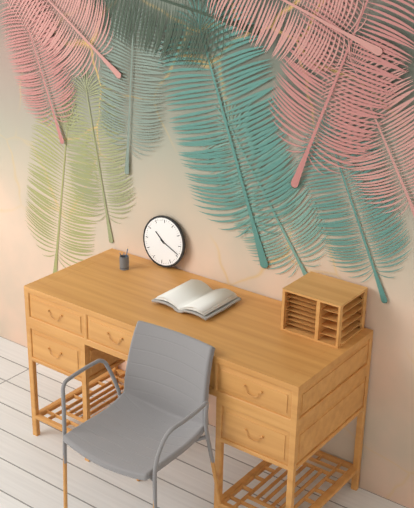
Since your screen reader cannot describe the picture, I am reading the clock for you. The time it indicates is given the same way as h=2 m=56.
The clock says h=10 m=19
